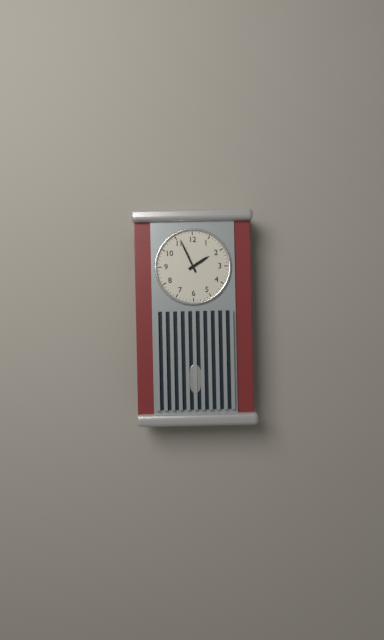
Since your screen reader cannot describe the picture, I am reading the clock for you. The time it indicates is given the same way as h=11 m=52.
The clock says h=1 m=56
